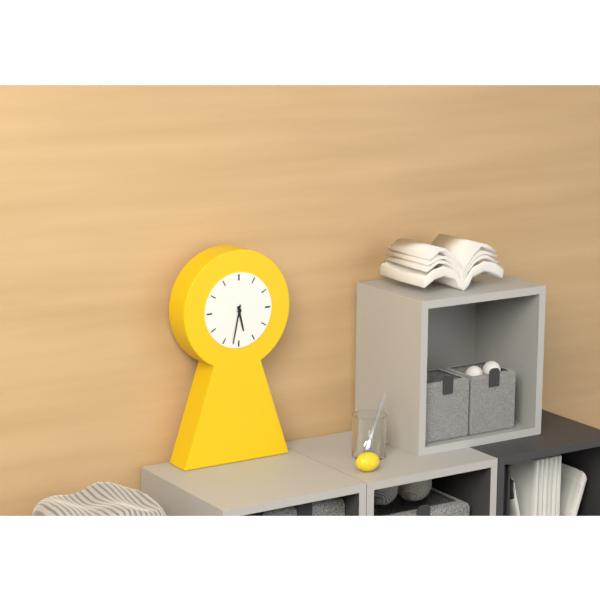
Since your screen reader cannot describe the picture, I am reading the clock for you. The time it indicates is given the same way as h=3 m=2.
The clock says h=5 m=32
